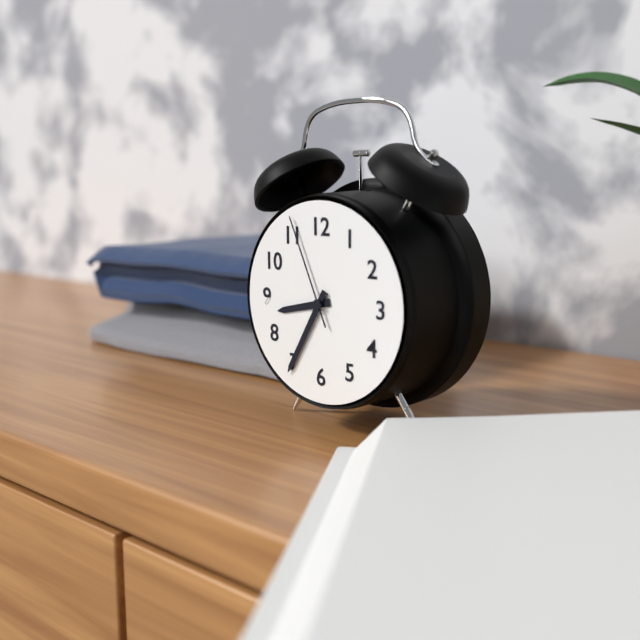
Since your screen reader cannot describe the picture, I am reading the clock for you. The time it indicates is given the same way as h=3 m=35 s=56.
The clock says h=8 m=35 s=56
